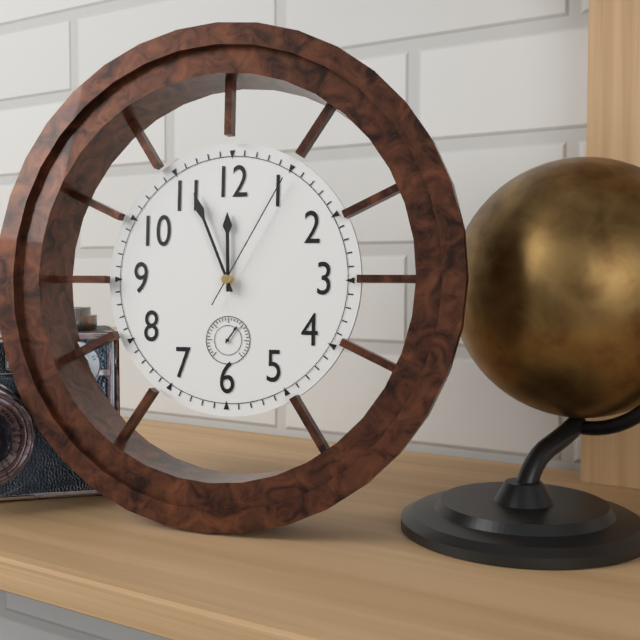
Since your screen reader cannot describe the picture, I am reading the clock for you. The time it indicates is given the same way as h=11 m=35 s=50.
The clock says h=11 m=56 s=5
